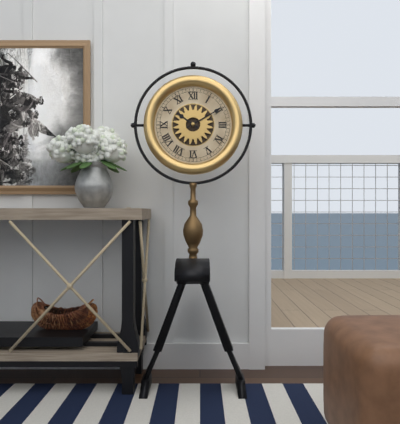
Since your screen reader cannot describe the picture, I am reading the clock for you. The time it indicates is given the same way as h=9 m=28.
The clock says h=10 m=10
